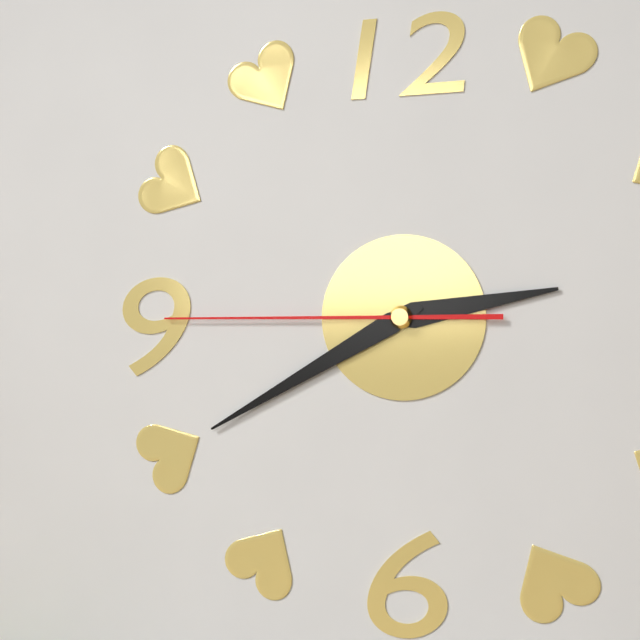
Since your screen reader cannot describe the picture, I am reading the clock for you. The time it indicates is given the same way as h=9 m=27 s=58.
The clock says h=2 m=40 s=45
